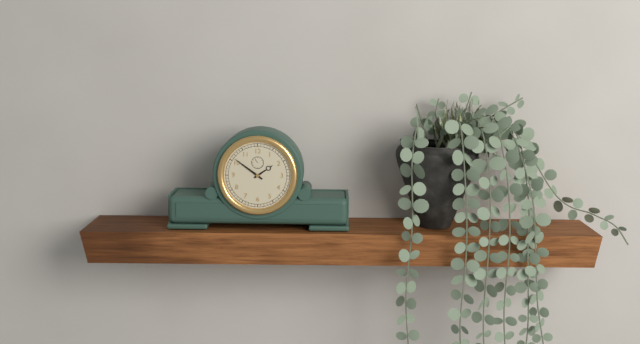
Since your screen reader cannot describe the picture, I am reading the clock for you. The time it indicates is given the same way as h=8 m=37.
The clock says h=1 m=51
